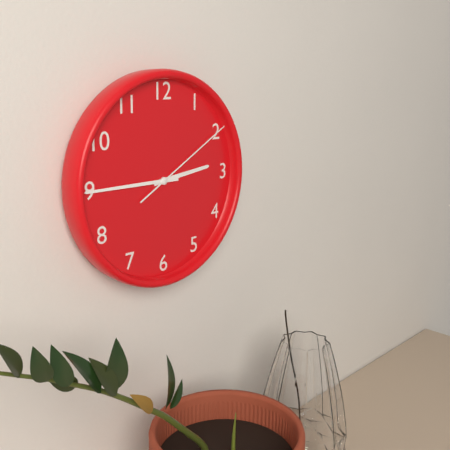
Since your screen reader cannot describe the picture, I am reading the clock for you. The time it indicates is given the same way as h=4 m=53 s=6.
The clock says h=2 m=45 s=10
